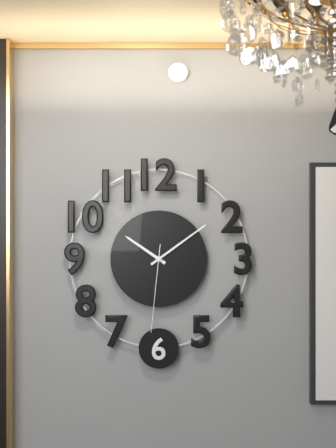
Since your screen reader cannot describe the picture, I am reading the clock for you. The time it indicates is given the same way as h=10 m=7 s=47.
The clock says h=10 m=9 s=31
